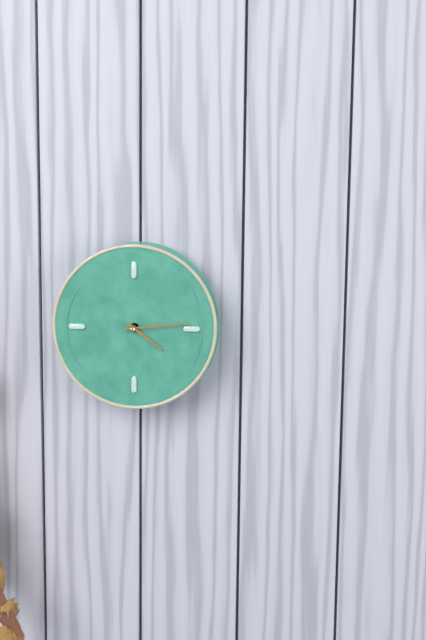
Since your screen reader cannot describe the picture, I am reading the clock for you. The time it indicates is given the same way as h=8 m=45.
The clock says h=4 m=14
